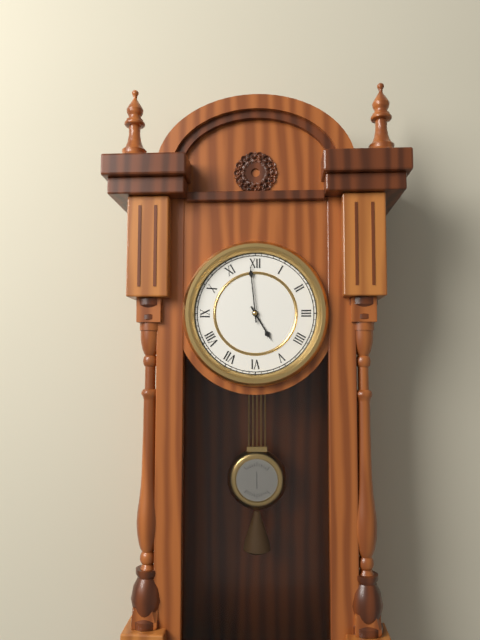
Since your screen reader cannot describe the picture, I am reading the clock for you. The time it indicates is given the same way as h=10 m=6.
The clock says h=4 m=59
